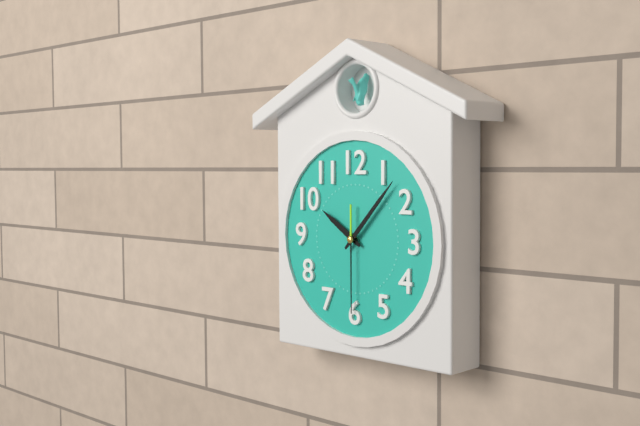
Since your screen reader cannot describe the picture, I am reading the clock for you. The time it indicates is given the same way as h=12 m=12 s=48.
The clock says h=10 m=7 s=30
